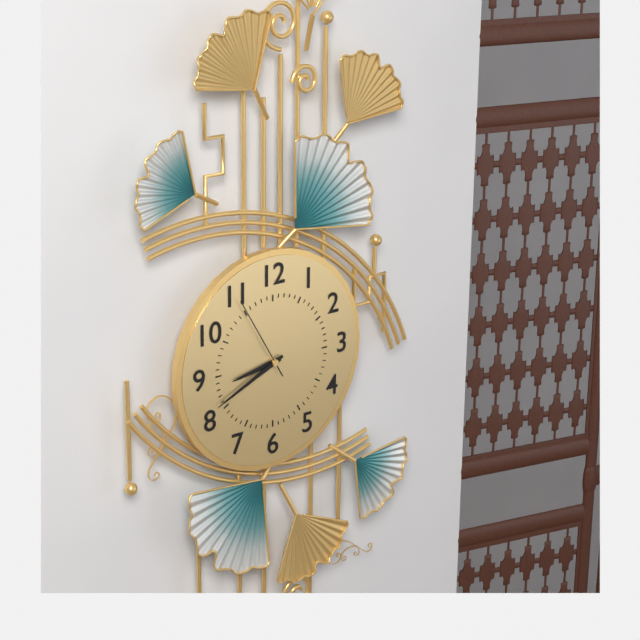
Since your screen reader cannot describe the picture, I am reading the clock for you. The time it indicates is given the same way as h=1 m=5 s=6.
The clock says h=8 m=41 s=55
